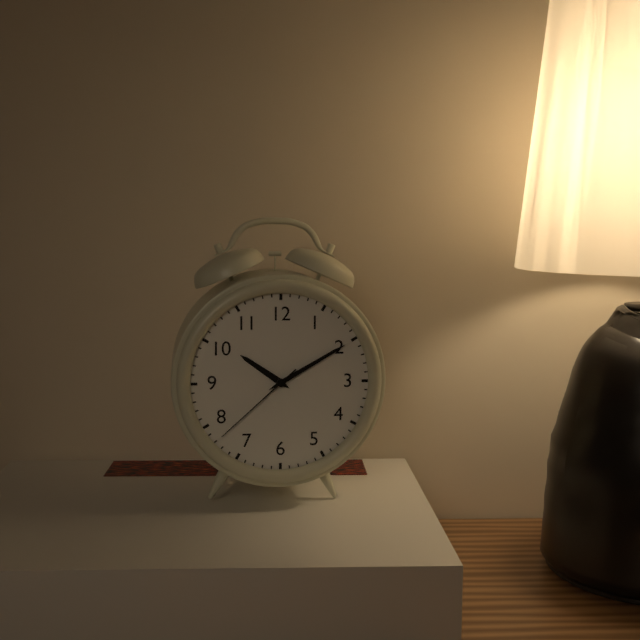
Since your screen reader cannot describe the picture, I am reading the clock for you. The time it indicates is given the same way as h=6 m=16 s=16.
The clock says h=10 m=10 s=38
